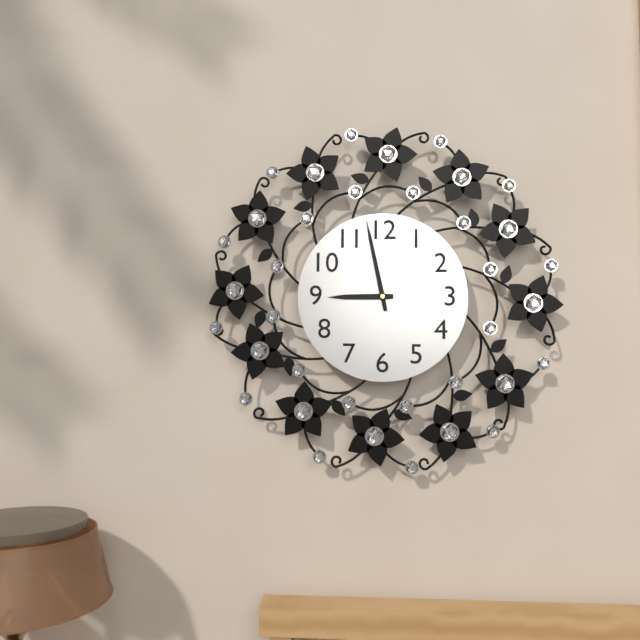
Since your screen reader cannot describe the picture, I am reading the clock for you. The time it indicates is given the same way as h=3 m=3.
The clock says h=8 m=58
